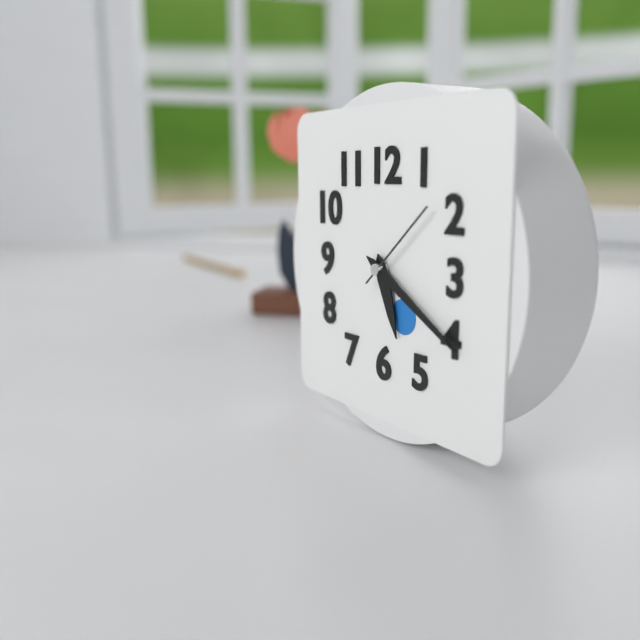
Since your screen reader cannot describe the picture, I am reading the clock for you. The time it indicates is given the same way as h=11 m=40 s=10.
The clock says h=5 m=20 s=8
